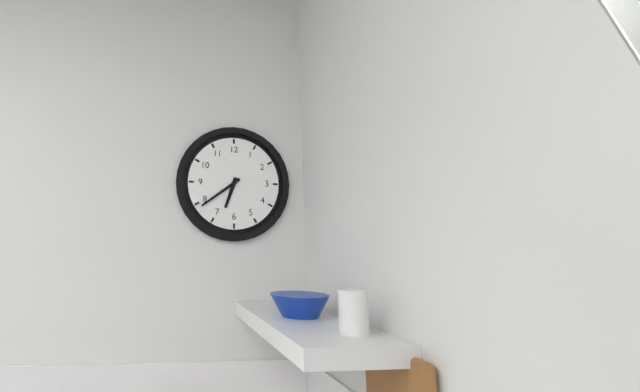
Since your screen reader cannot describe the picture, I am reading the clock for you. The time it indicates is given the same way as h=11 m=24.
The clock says h=6 m=39
